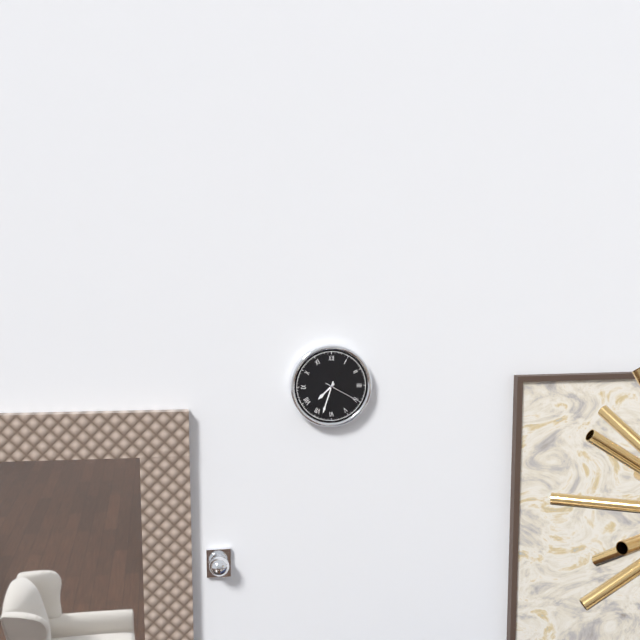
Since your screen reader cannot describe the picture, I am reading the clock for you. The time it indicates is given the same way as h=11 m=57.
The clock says h=7 m=33
